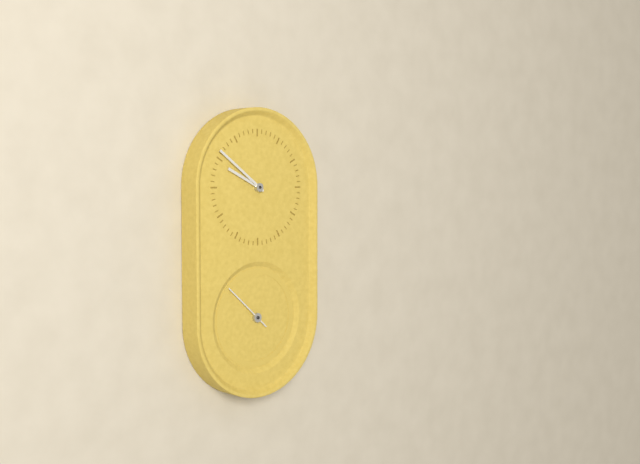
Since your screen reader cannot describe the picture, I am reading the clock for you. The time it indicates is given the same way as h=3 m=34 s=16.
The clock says h=9 m=51 s=52
